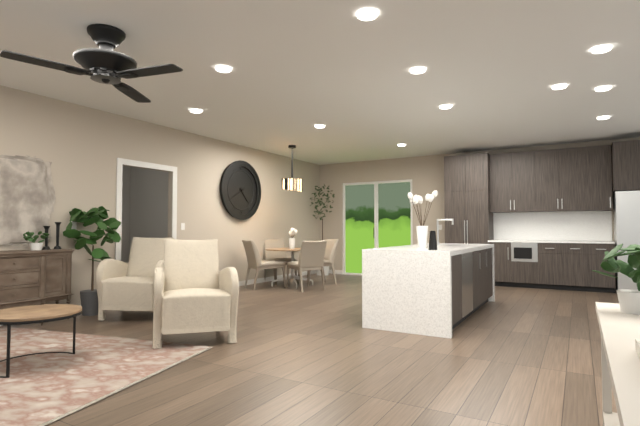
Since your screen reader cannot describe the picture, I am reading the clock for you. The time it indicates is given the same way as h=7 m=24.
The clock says h=4 m=40
